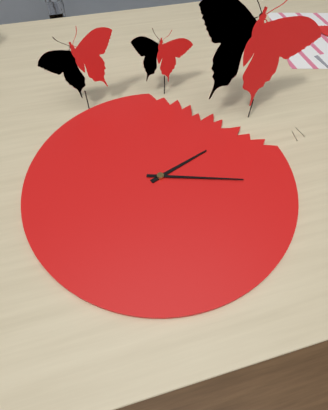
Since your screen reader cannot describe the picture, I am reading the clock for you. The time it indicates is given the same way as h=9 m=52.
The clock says h=2 m=18
